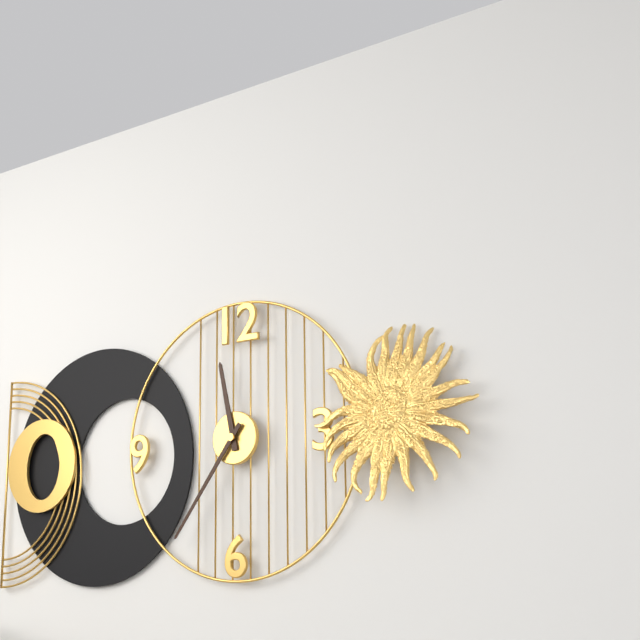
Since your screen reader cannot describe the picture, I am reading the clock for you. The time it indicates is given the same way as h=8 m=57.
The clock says h=11 m=36
